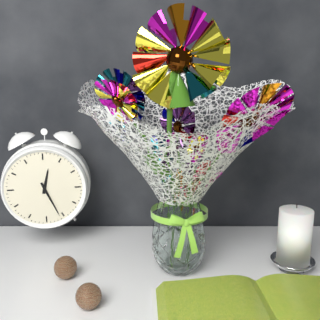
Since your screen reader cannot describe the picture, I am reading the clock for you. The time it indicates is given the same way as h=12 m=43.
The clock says h=12 m=26
